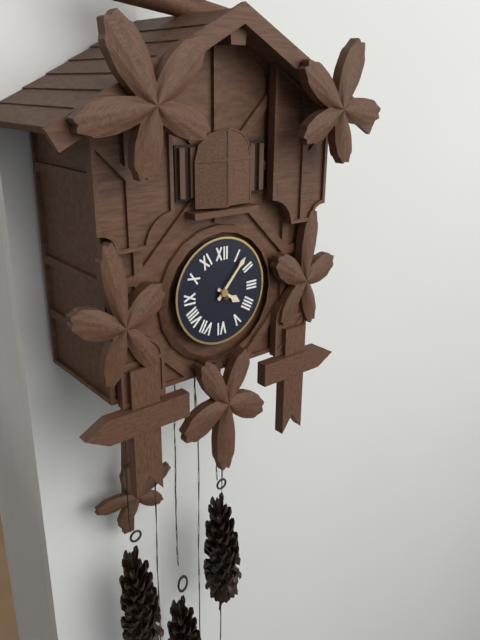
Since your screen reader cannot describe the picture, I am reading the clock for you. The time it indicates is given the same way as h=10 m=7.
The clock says h=4 m=7
